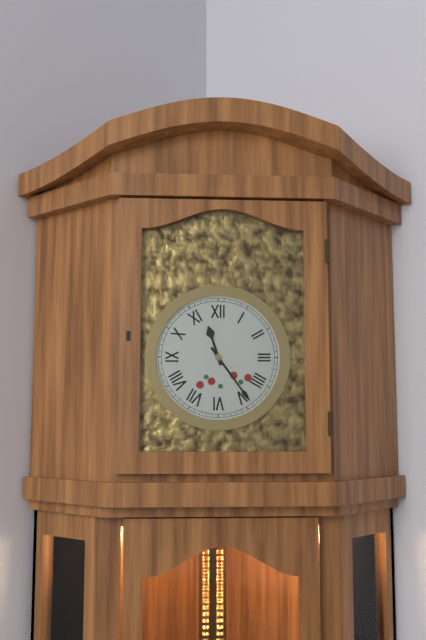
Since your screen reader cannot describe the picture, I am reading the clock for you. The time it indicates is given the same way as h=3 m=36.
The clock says h=11 m=24
